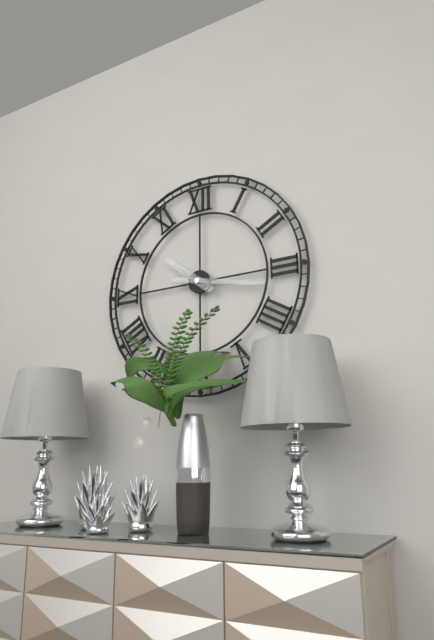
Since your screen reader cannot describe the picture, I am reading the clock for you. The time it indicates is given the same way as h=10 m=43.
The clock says h=10 m=17
